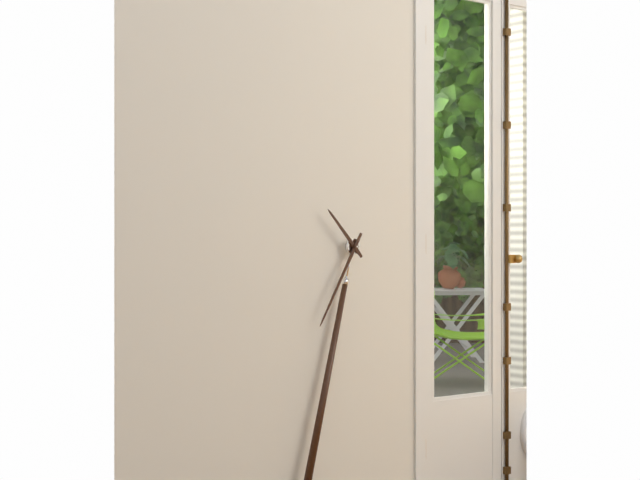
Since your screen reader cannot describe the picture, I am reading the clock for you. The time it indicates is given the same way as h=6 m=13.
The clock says h=10 m=35
